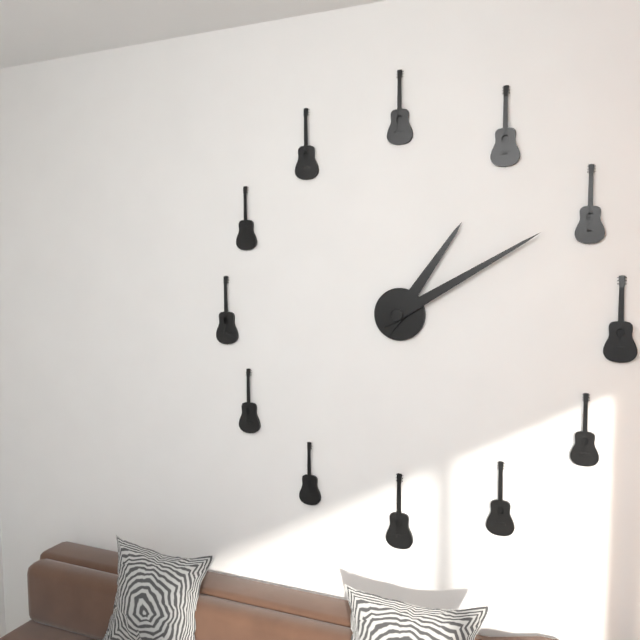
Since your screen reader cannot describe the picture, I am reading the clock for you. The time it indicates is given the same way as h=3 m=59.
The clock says h=1 m=10
